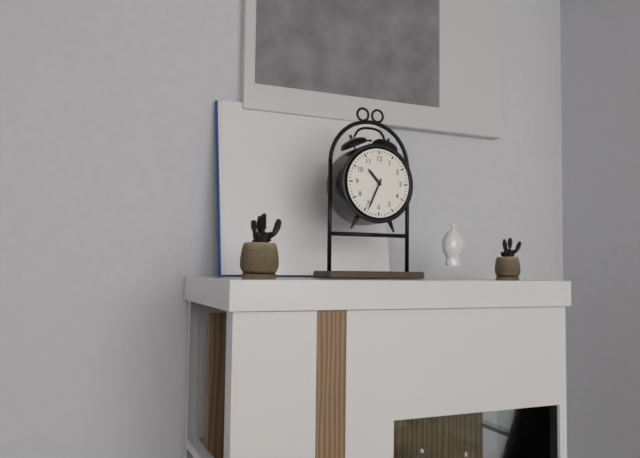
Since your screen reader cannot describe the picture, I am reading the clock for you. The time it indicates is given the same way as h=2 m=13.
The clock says h=10 m=34
